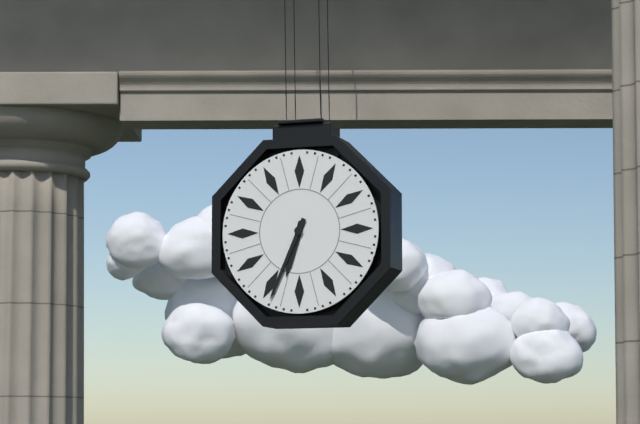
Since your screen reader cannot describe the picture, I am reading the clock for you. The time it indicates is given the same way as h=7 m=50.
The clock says h=6 m=34
